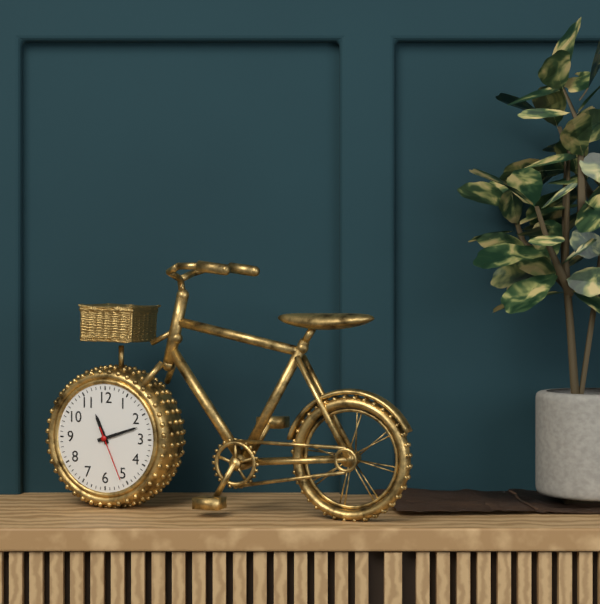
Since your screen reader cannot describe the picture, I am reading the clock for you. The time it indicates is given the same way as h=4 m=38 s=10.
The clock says h=11 m=12 s=26
